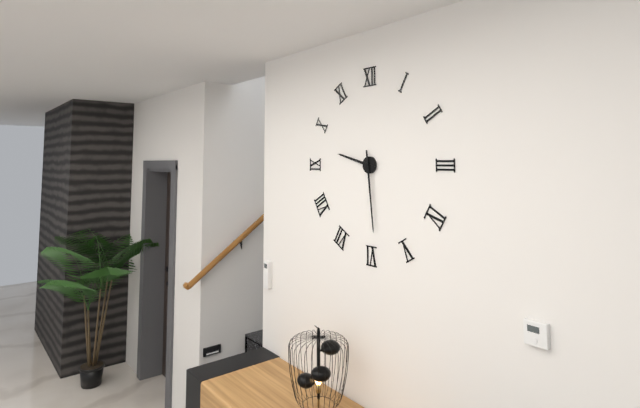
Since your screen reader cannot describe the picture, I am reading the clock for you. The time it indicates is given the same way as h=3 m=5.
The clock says h=9 m=29
